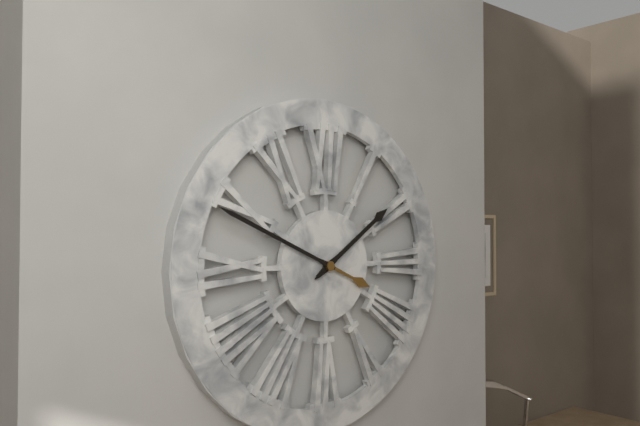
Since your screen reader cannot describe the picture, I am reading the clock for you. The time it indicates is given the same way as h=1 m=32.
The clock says h=1 m=49
